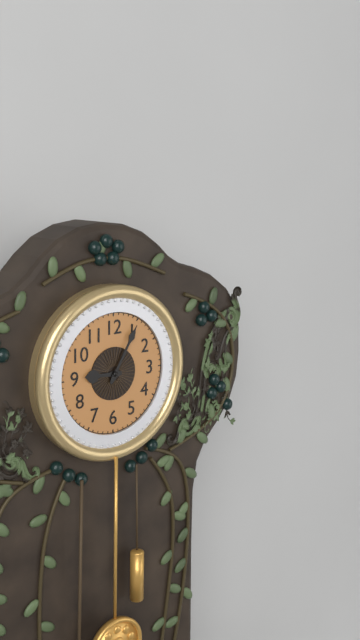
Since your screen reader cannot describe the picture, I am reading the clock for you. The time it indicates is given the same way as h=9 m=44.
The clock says h=9 m=5
